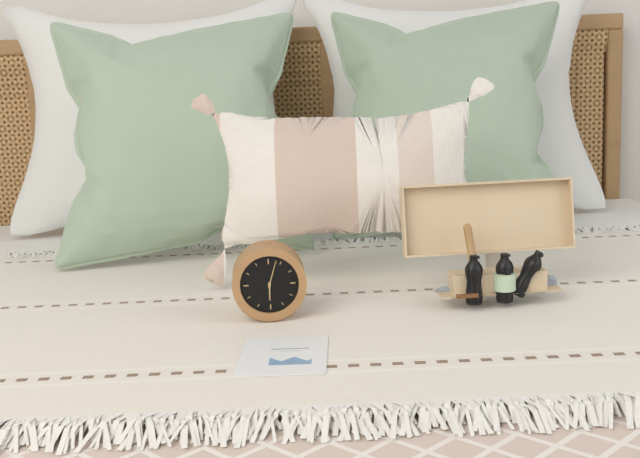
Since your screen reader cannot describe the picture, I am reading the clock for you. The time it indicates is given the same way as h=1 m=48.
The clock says h=6 m=3
